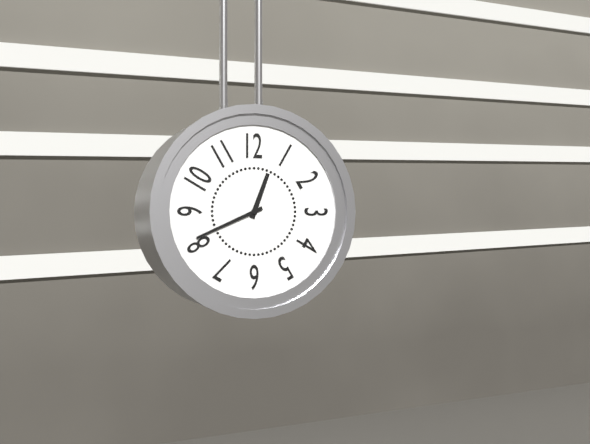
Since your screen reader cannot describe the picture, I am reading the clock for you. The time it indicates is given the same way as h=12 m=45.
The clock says h=12 m=41
